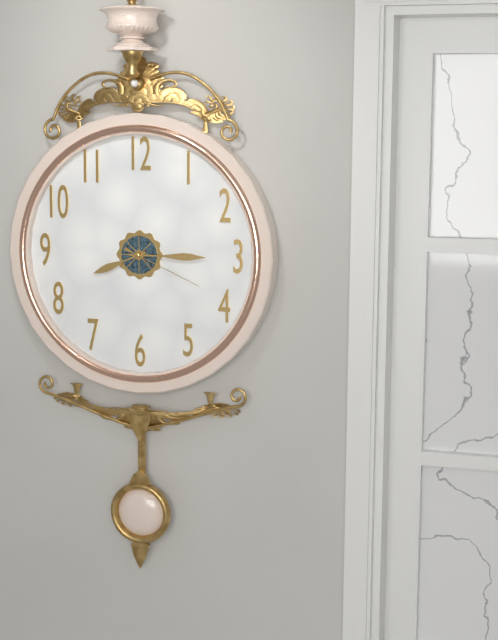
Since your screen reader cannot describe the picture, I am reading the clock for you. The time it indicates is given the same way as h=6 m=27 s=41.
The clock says h=8 m=15 s=19
